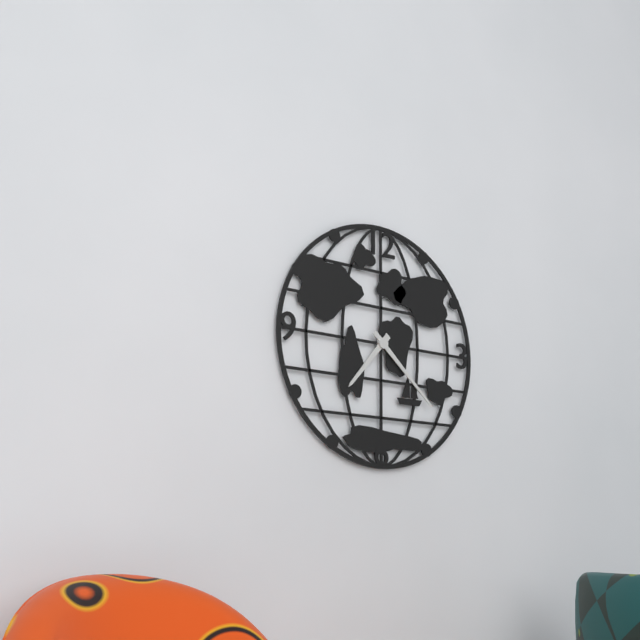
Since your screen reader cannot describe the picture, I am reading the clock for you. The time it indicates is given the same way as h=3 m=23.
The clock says h=7 m=22
